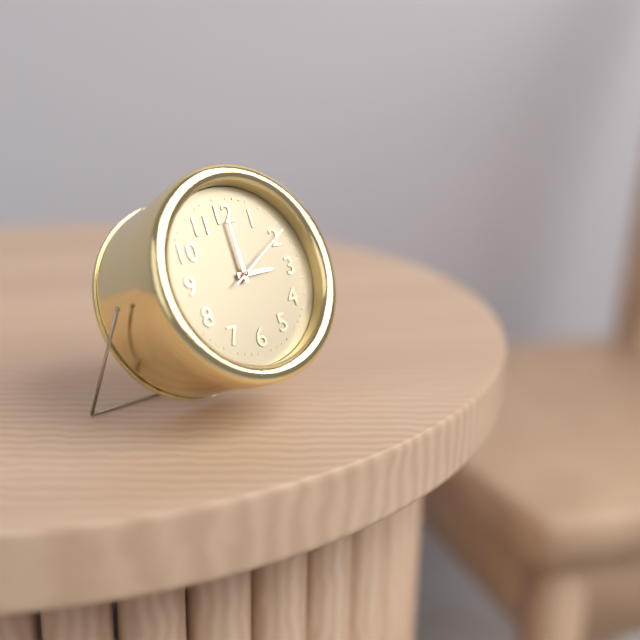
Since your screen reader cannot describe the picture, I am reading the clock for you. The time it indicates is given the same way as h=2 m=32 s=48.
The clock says h=3 m=0 s=10
